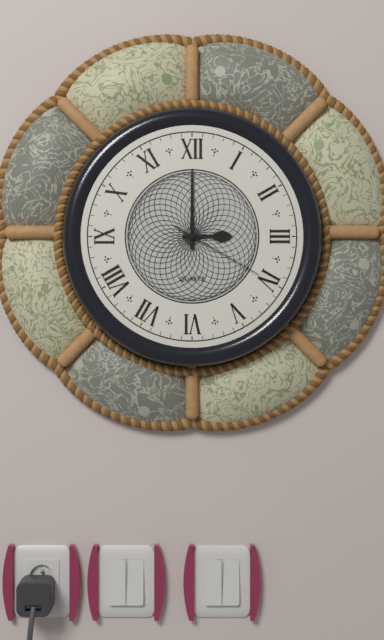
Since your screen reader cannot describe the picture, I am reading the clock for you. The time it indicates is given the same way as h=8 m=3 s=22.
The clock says h=3 m=0 s=20
